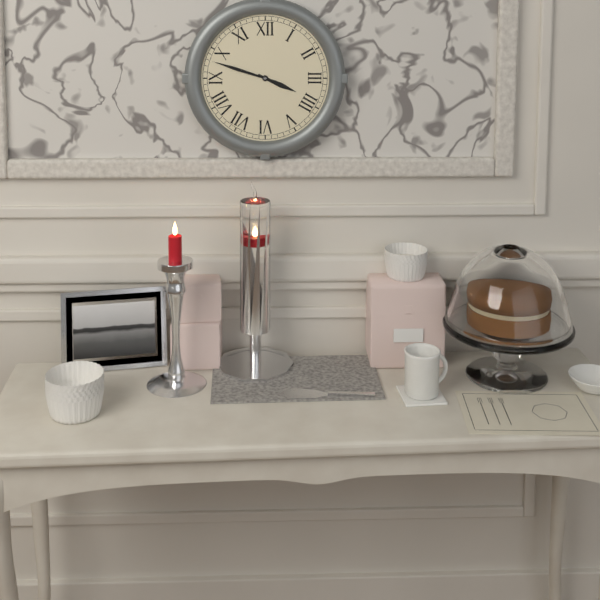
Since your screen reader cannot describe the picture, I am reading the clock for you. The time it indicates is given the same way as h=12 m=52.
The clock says h=3 m=48
